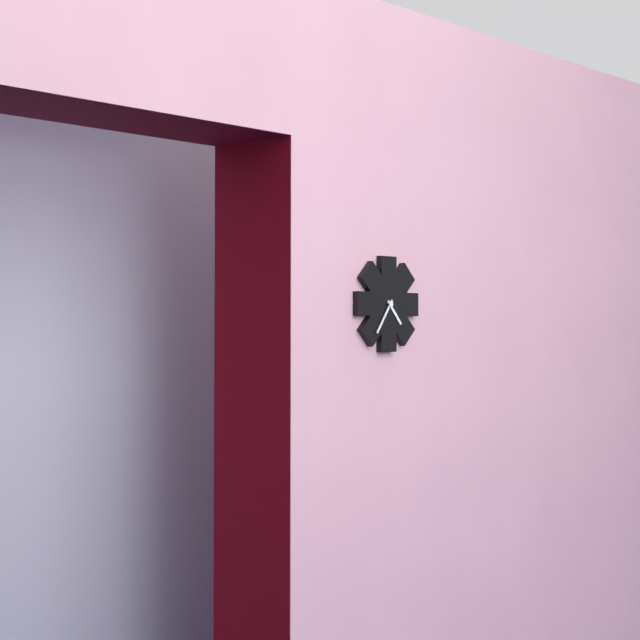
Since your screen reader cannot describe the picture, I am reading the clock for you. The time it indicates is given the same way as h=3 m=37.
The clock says h=4 m=36
